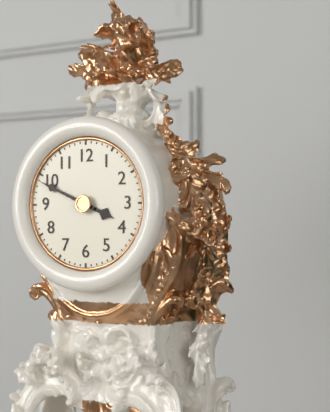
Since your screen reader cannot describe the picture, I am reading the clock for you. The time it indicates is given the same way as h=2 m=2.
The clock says h=3 m=49
